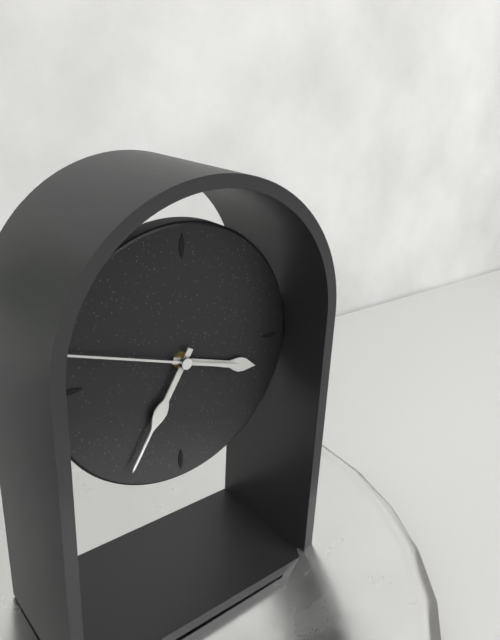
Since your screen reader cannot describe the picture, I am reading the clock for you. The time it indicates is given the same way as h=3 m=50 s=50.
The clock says h=3 m=35 s=48
